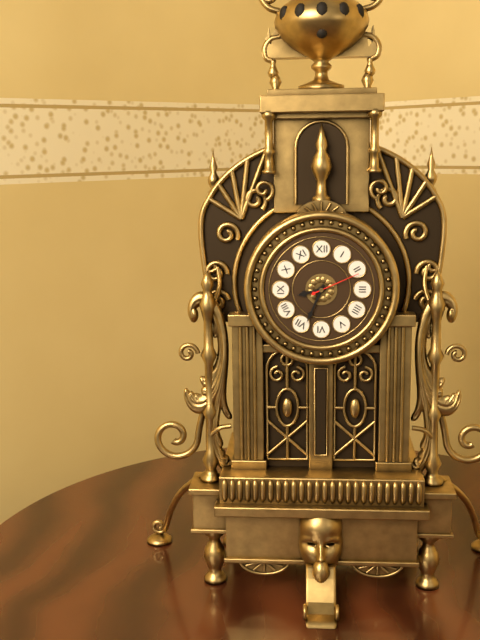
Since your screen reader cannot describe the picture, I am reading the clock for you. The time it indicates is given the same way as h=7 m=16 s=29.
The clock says h=8 m=34 s=11
